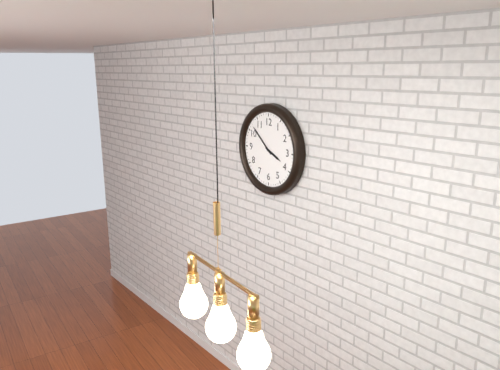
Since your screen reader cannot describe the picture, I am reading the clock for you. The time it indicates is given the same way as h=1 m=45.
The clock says h=3 m=52
